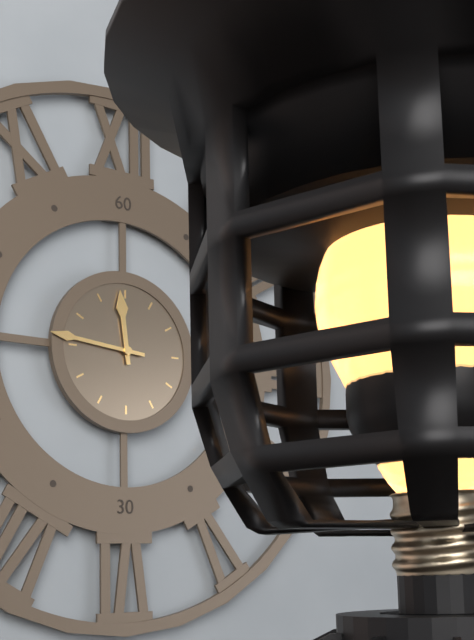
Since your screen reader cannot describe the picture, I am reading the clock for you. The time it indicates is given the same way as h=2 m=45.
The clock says h=11 m=46
